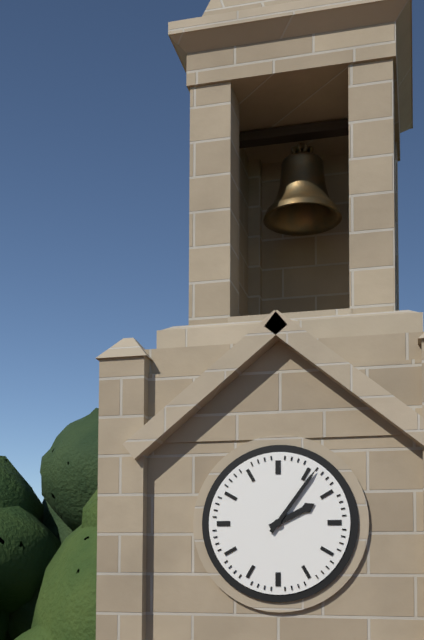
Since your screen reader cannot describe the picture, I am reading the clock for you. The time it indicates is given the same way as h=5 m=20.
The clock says h=2 m=6
